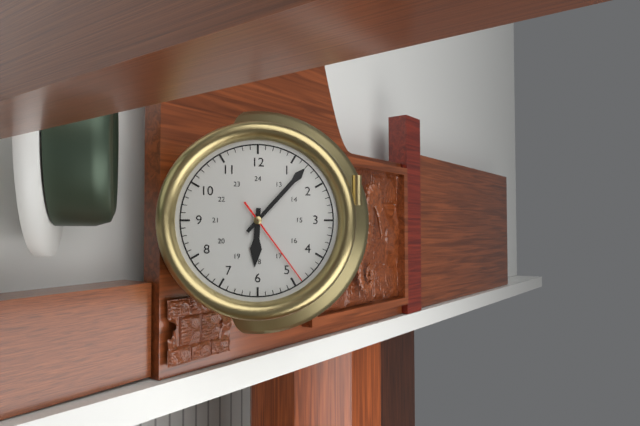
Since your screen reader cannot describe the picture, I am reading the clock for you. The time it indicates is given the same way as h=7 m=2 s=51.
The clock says h=6 m=7 s=24
